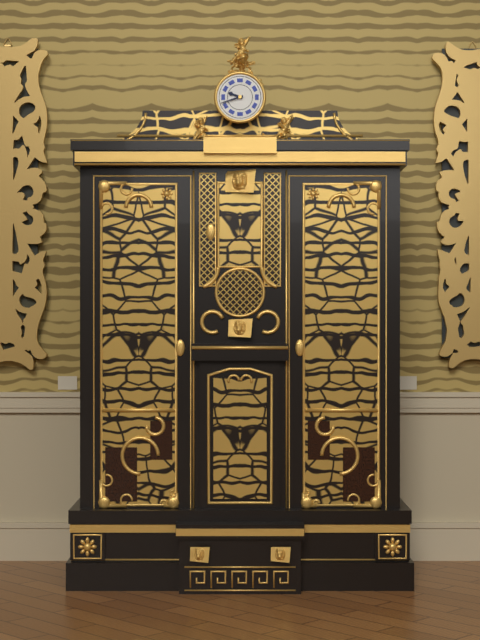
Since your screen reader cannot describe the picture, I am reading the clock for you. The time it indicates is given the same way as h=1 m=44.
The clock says h=9 m=42
